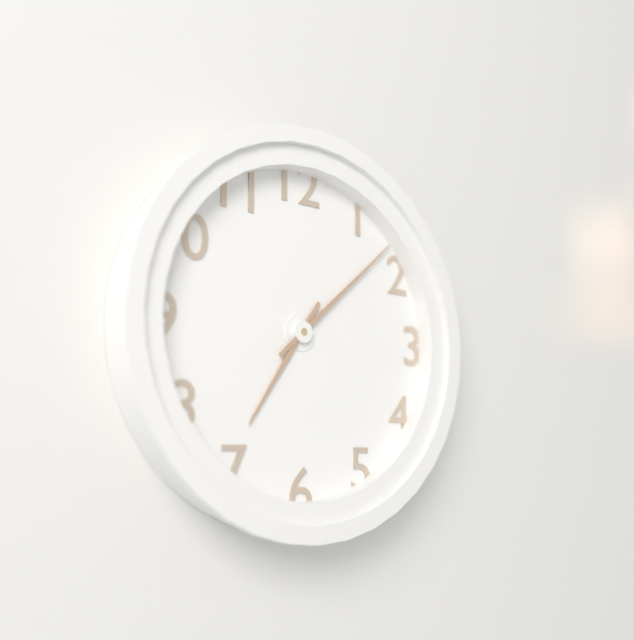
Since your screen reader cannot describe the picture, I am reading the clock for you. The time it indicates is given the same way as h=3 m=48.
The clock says h=7 m=8
